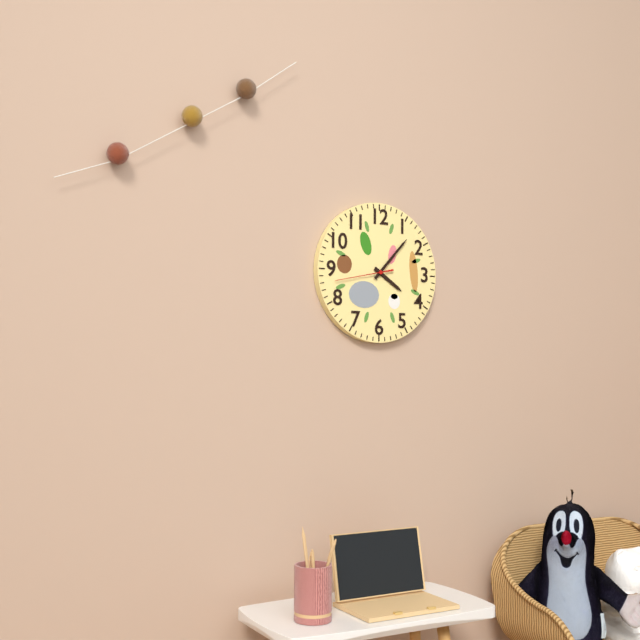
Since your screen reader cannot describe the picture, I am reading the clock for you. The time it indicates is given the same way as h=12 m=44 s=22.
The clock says h=4 m=7 s=43
